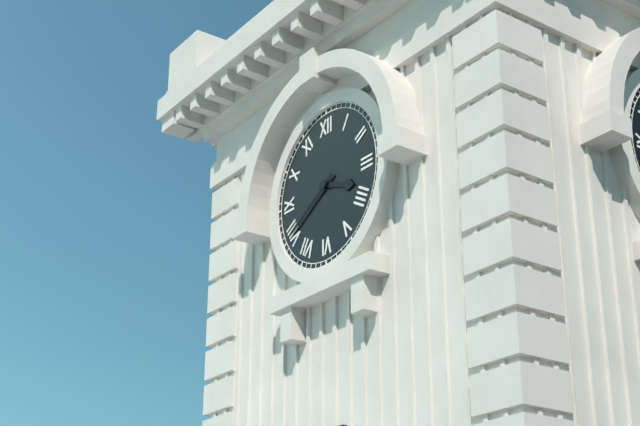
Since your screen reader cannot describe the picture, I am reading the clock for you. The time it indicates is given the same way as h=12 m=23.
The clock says h=3 m=40
